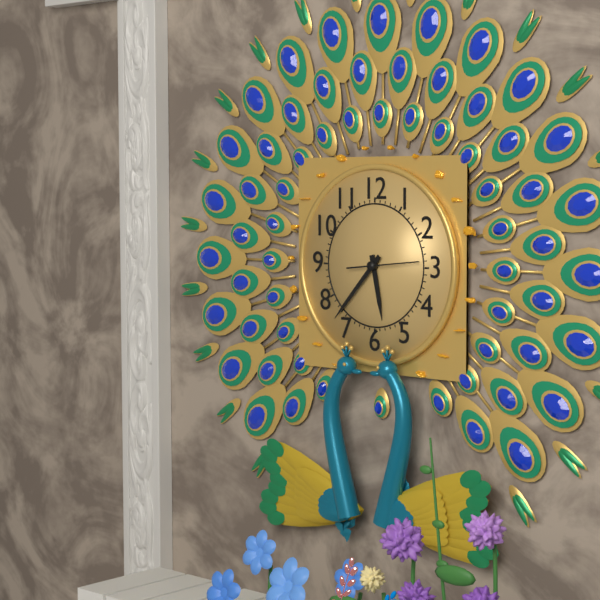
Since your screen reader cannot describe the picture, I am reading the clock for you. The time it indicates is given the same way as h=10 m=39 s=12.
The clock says h=5 m=37 s=14
